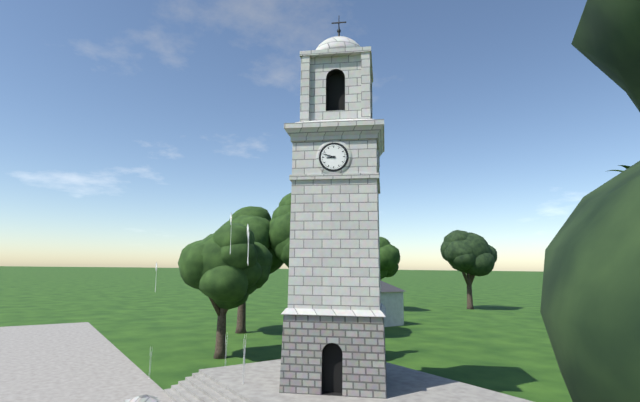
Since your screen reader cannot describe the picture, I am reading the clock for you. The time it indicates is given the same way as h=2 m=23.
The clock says h=8 m=48
